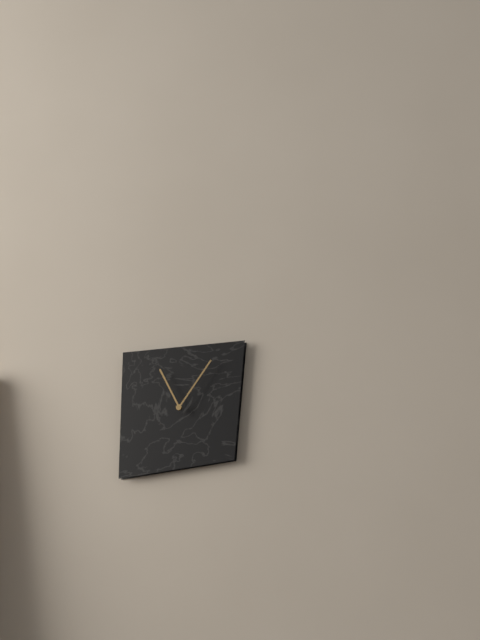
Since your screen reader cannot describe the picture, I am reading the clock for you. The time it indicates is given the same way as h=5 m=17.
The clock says h=11 m=6
